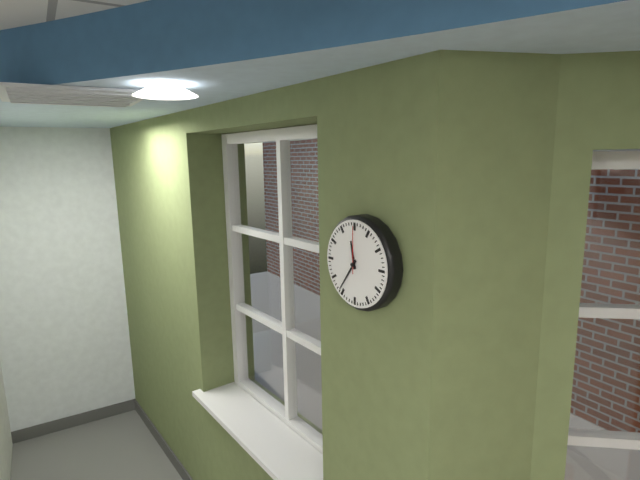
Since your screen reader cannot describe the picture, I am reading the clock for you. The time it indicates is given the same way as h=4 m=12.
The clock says h=11 m=36
